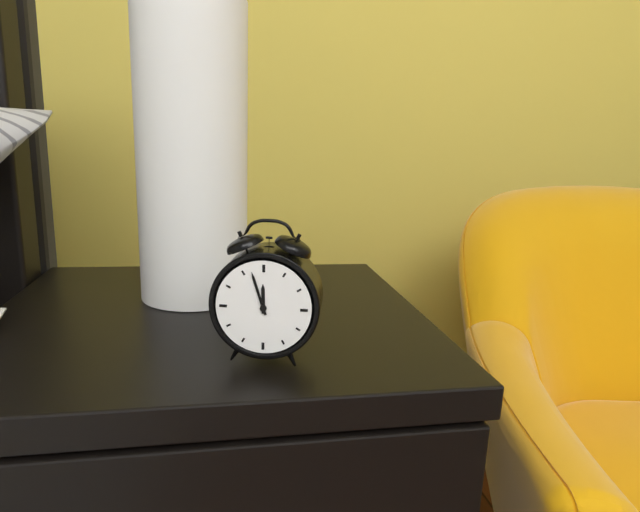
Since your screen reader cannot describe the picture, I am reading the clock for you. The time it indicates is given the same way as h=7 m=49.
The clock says h=11 m=57
